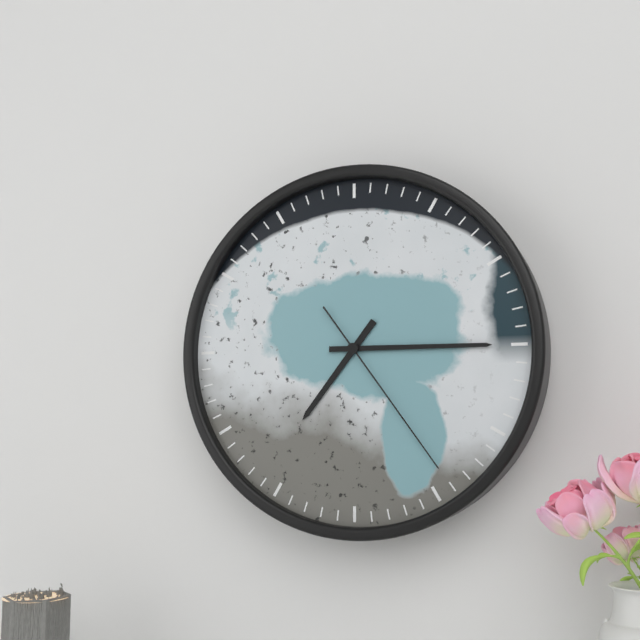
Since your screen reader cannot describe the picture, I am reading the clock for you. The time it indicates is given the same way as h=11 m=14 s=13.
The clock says h=7 m=15 s=24
